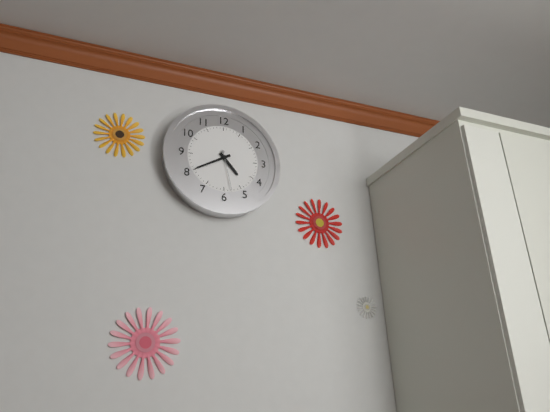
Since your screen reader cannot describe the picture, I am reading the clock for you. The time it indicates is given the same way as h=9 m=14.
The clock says h=4 m=40
